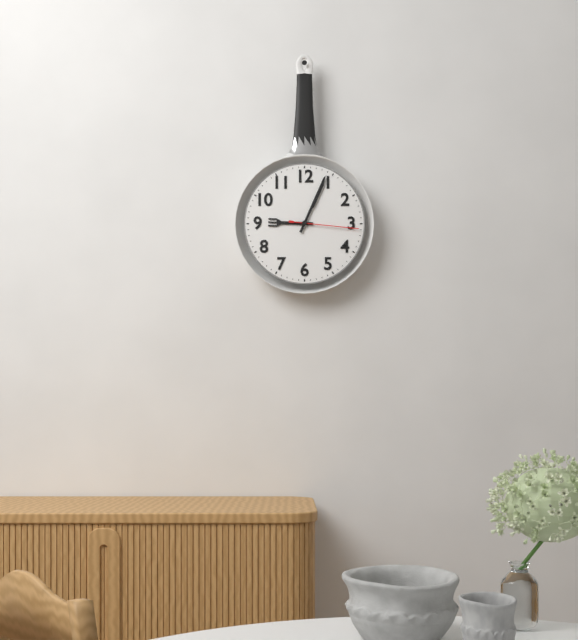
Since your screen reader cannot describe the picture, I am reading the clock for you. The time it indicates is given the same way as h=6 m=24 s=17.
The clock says h=9 m=4 s=16
